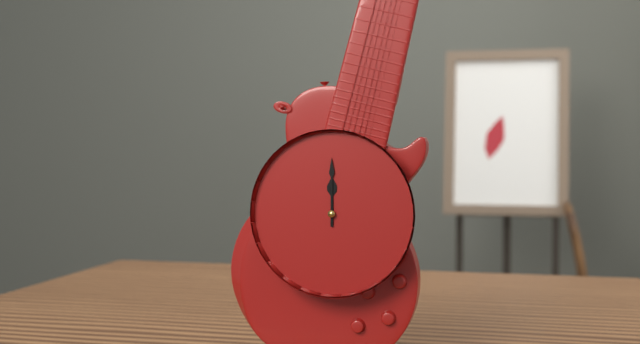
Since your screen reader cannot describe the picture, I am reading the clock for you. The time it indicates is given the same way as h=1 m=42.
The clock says h=12 m=0
